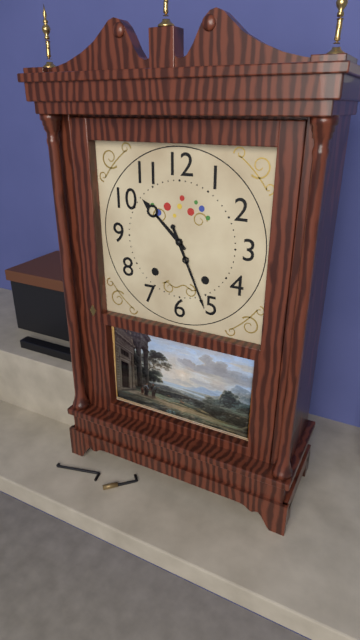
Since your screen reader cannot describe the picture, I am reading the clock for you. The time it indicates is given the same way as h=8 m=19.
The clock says h=10 m=26
